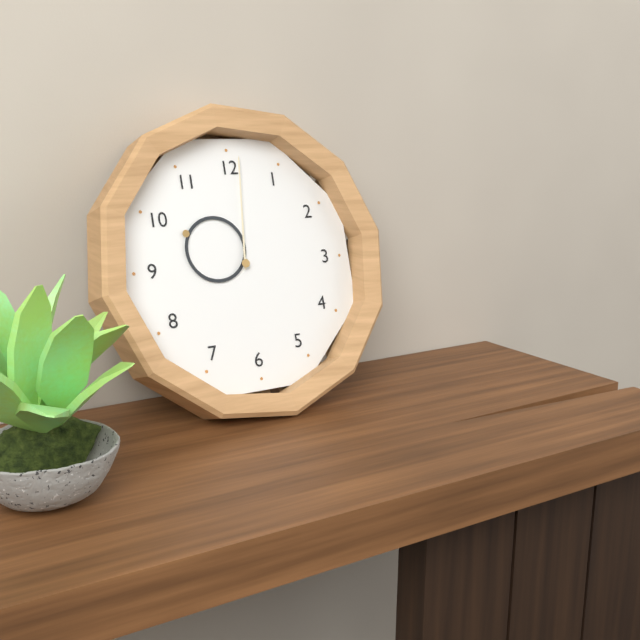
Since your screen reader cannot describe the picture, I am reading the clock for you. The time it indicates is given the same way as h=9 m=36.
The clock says h=10 m=1
